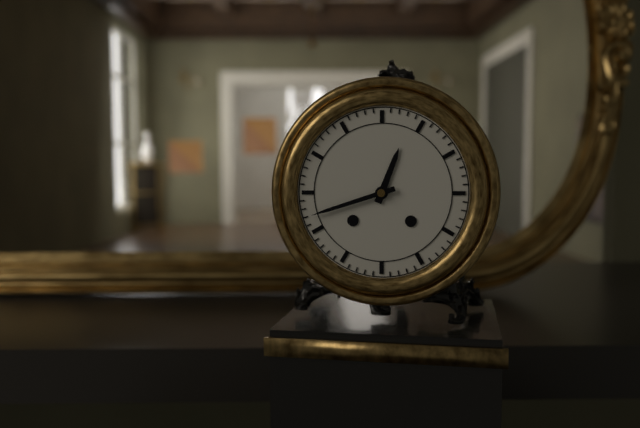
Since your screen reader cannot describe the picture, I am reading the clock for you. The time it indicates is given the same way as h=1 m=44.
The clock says h=12 m=42
